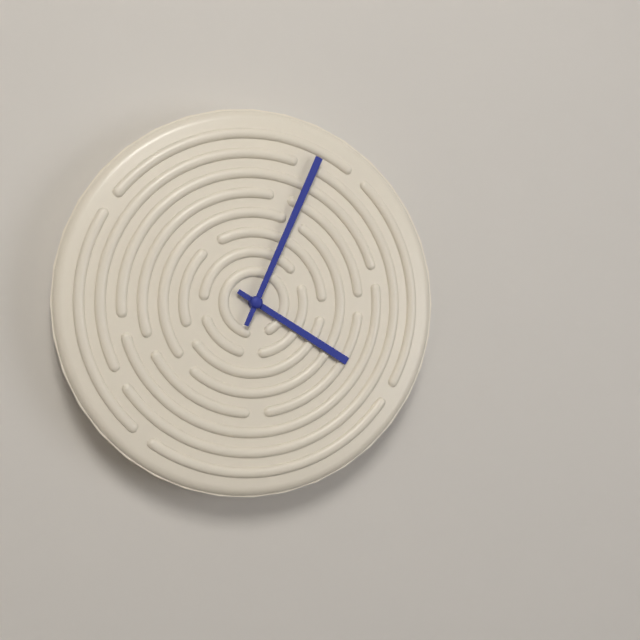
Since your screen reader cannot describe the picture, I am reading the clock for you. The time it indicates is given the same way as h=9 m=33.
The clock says h=4 m=4
